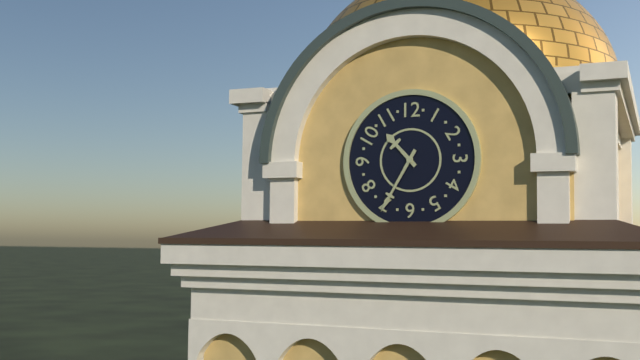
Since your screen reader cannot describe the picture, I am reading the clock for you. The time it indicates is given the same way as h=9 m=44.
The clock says h=10 m=35
